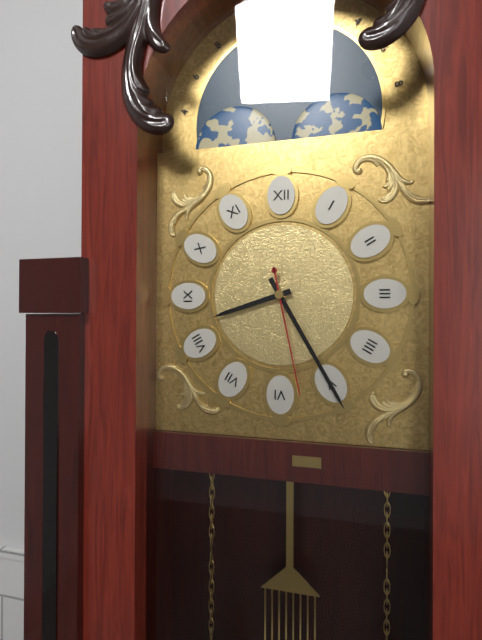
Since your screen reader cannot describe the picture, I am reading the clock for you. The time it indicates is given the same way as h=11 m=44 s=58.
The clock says h=8 m=25 s=28
